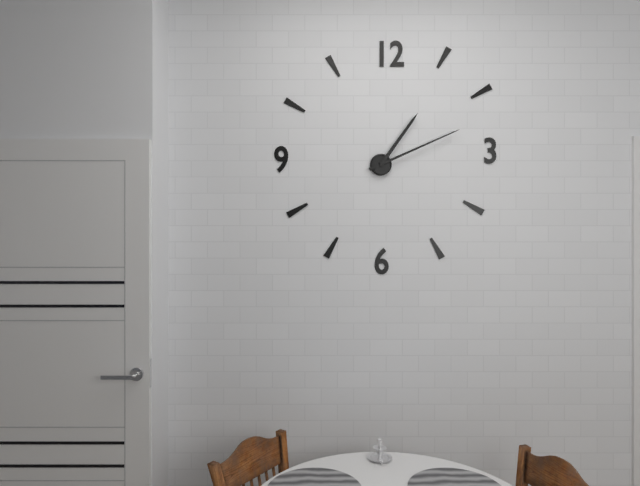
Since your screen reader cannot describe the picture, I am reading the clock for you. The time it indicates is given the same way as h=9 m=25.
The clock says h=1 m=11
